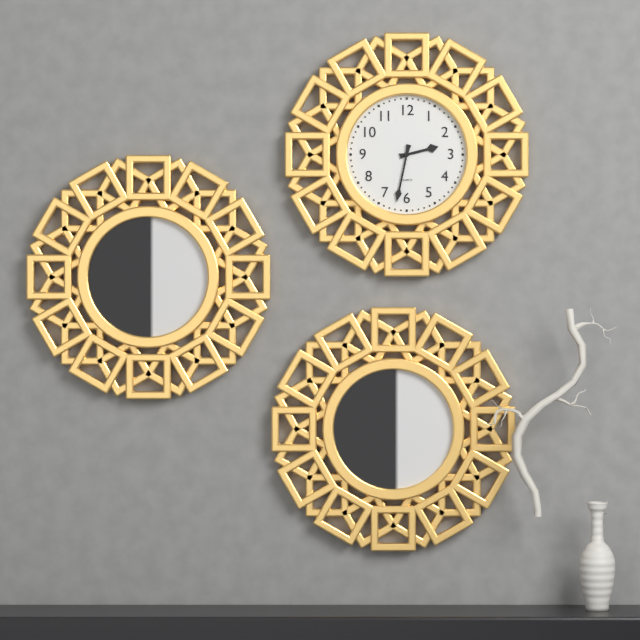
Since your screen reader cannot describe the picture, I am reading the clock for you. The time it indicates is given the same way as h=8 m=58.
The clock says h=2 m=32
